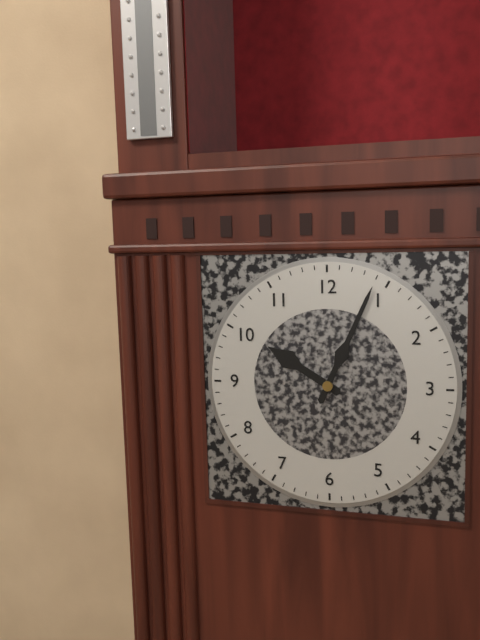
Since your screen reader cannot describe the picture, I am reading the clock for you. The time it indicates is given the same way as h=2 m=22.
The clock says h=10 m=4
